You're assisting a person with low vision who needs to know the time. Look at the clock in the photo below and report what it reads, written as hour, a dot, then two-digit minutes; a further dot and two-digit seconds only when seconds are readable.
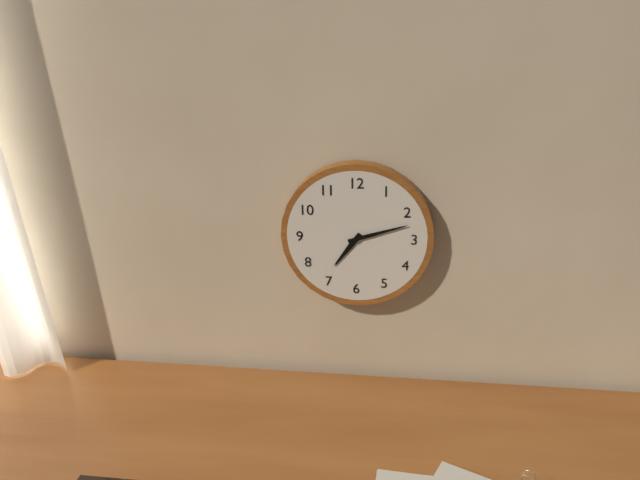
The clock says 7.12
